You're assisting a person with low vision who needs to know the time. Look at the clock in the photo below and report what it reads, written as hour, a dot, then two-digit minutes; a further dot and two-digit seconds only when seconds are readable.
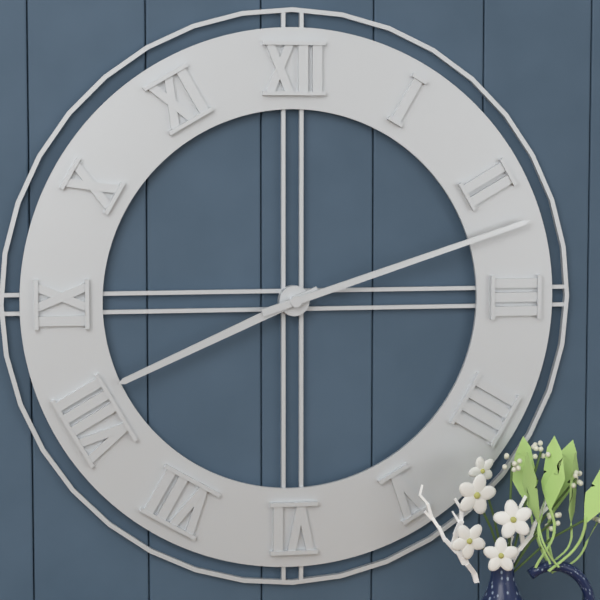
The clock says 8.12
